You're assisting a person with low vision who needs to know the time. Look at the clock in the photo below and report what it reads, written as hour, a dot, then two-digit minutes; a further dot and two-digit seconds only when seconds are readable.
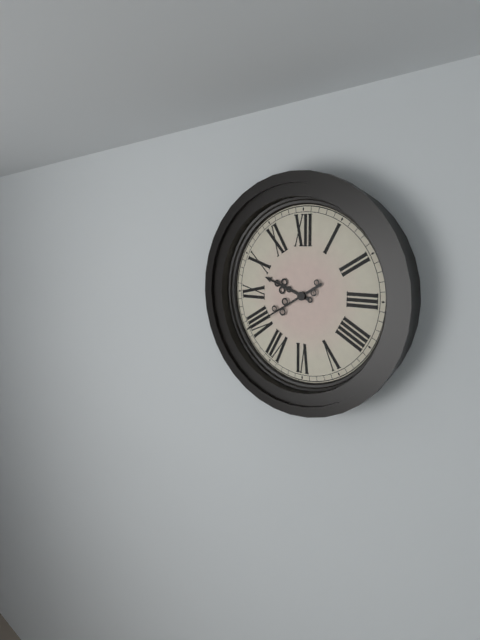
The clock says 9.40
